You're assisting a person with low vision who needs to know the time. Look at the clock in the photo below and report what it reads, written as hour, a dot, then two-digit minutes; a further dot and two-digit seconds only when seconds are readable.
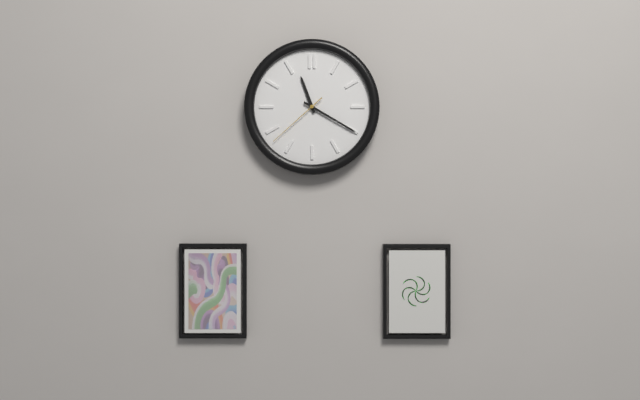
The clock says 11.20.38
